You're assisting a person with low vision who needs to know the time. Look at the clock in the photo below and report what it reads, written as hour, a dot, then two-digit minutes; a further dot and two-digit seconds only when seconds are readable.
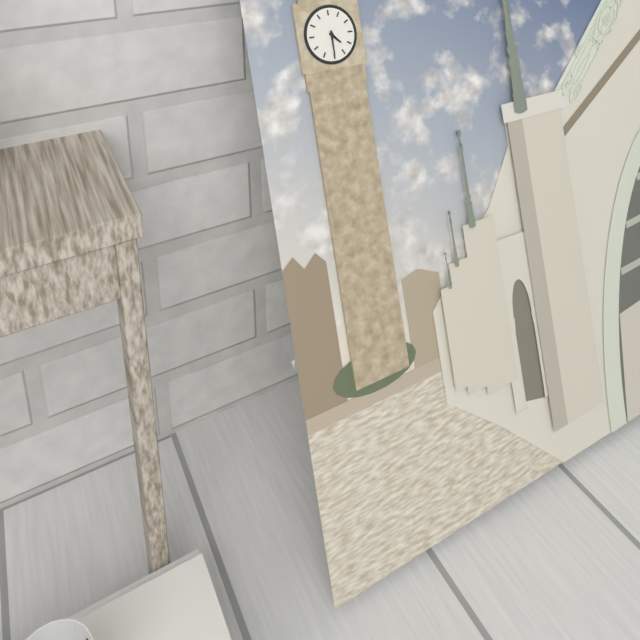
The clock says 4.30
